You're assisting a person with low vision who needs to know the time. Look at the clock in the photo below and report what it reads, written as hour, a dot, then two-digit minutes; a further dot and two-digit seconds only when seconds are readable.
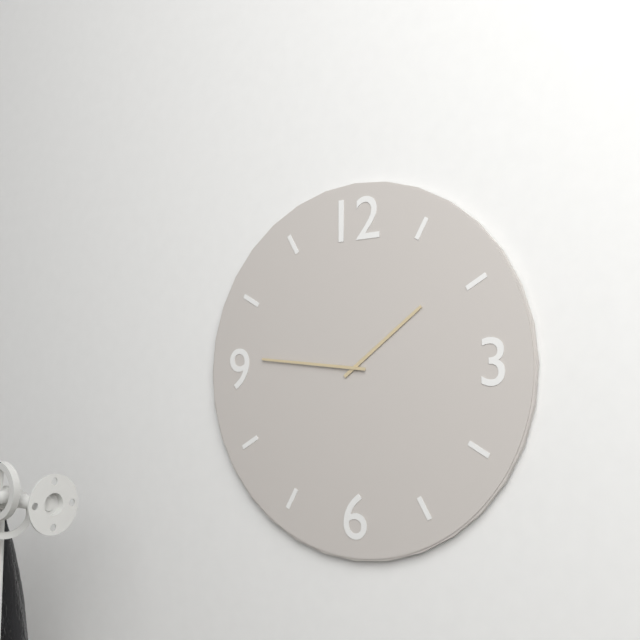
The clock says 1.46
